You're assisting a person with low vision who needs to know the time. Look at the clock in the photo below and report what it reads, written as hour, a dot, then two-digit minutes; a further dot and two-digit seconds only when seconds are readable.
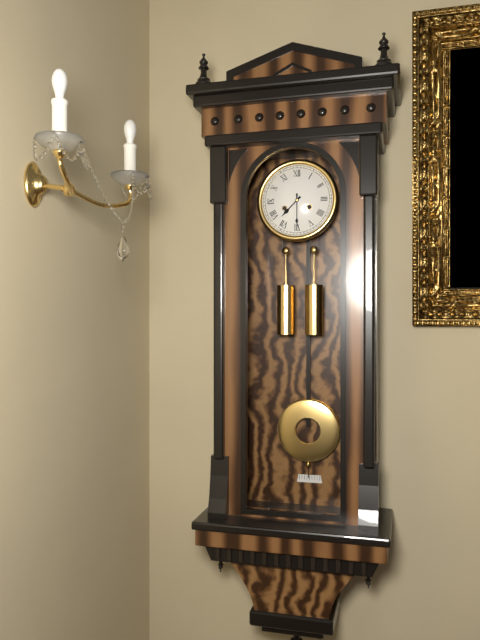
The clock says 7.30
